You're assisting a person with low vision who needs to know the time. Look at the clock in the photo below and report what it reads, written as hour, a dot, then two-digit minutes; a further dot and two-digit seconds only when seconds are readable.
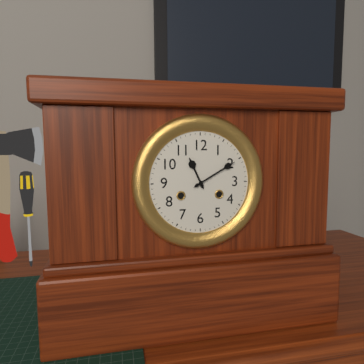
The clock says 11.10
